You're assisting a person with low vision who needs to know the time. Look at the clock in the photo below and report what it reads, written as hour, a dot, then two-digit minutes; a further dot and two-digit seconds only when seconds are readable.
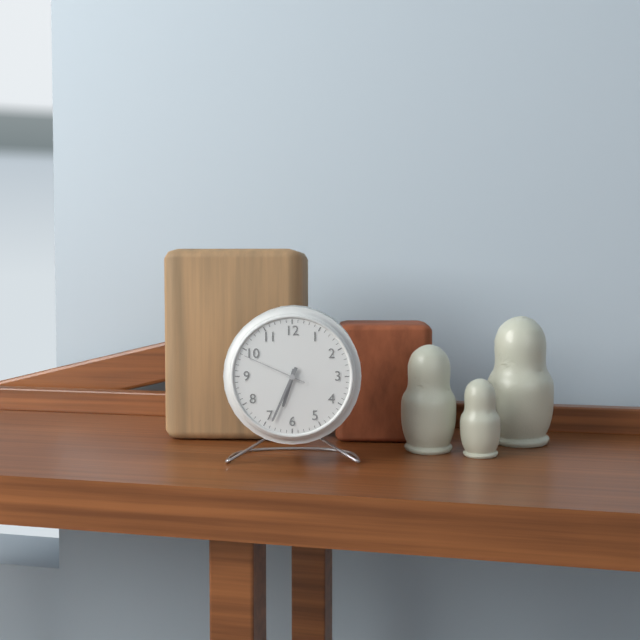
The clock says 6.34.49
